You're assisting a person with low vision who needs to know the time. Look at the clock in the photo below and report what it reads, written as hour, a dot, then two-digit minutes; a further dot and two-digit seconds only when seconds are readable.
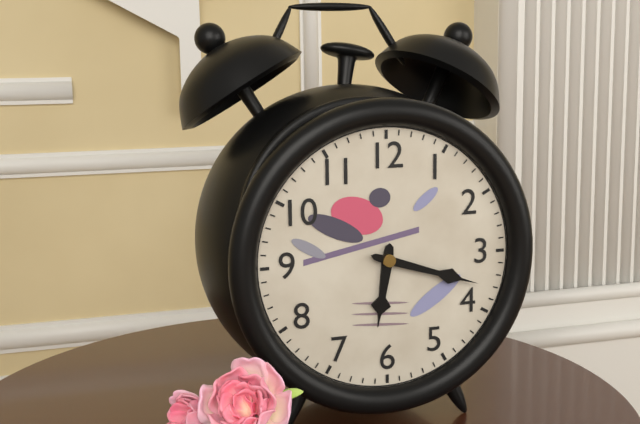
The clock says 6.18
